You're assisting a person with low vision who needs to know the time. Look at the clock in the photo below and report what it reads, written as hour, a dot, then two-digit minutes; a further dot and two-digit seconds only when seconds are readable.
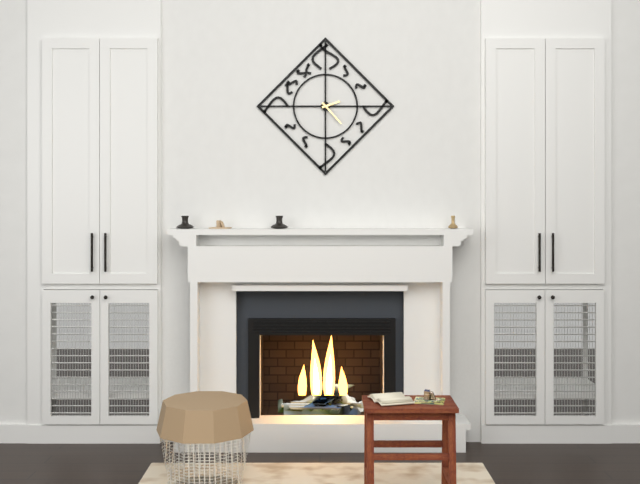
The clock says 2.23
